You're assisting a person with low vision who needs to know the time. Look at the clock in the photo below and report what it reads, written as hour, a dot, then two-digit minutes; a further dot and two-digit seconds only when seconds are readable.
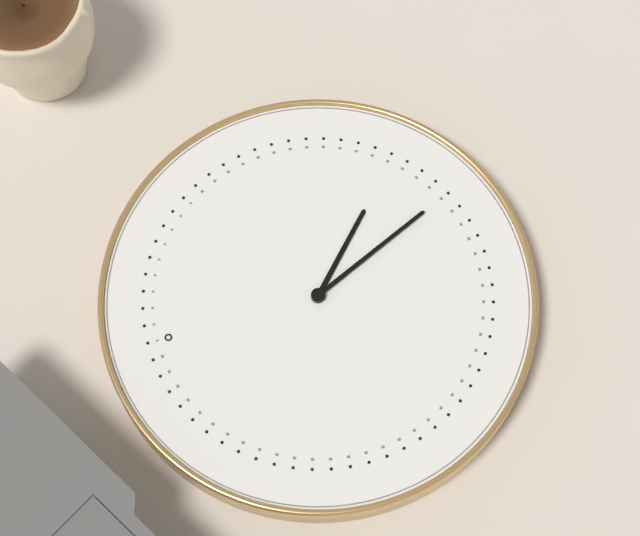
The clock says 4.26
